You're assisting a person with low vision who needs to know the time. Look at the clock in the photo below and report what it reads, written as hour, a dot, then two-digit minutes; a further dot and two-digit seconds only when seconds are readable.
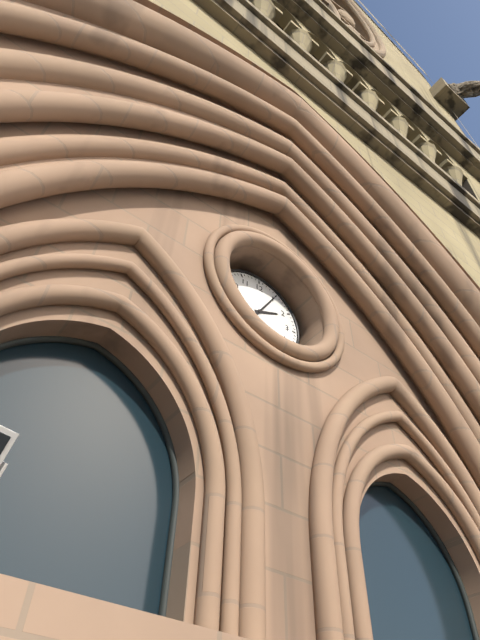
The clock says 2.05
